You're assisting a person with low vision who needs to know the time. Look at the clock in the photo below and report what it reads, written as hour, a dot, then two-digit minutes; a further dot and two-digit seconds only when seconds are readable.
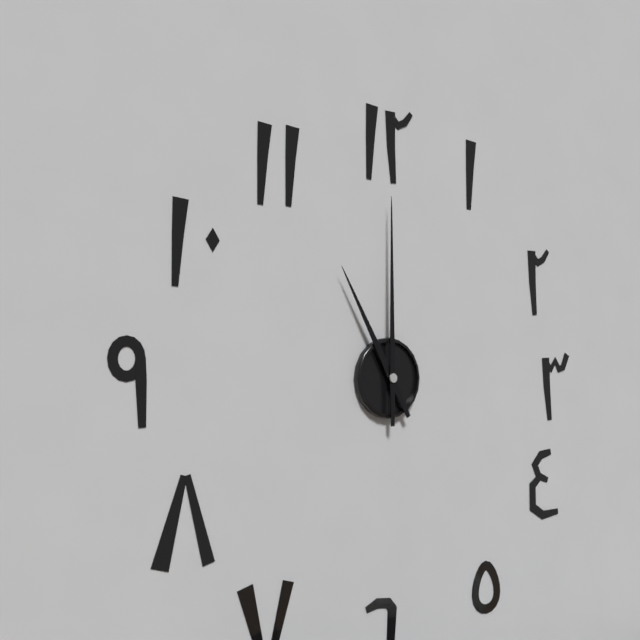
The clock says 11.00
